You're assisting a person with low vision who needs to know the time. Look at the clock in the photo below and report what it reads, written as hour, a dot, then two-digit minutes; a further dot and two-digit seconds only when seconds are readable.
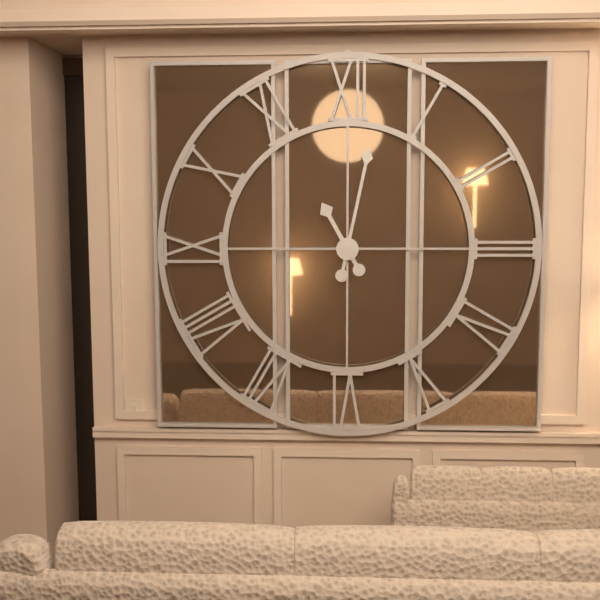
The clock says 11.02
